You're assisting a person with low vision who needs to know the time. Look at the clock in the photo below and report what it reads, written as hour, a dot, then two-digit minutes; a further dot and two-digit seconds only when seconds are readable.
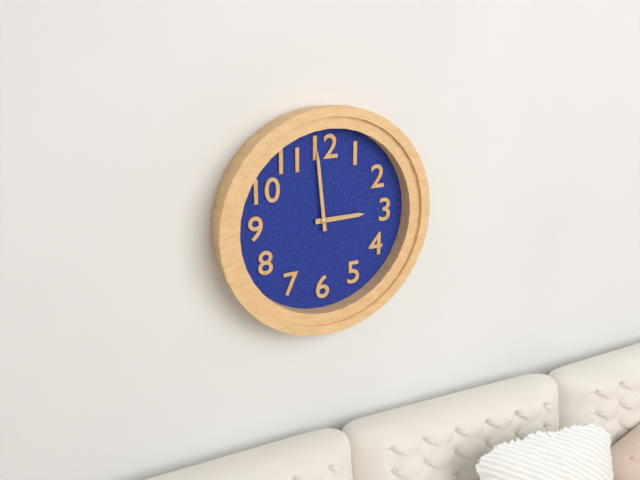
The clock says 2.59
